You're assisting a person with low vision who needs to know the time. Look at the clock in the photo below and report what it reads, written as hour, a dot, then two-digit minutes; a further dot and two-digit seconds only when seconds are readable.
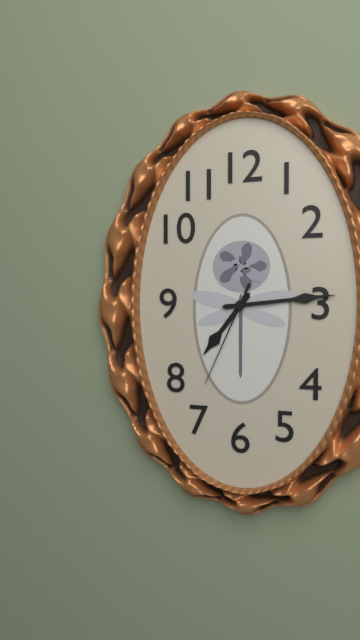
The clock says 7.14.34
